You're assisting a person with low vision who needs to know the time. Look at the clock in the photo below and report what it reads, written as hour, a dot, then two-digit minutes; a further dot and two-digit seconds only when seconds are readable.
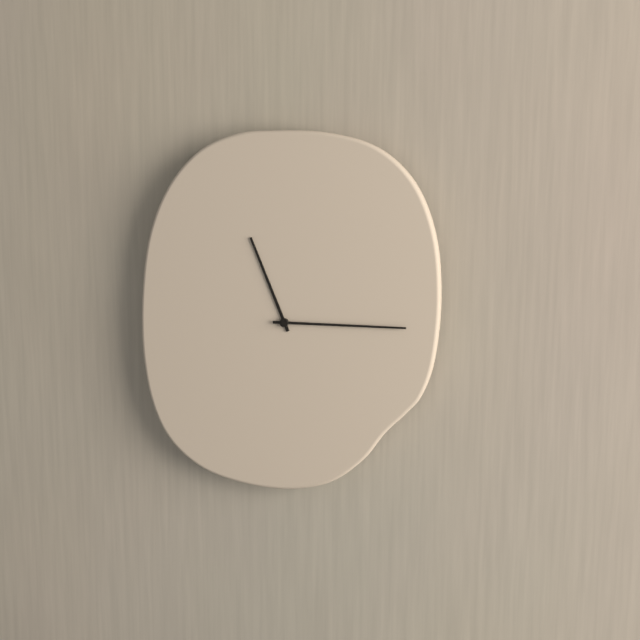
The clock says 11.15
